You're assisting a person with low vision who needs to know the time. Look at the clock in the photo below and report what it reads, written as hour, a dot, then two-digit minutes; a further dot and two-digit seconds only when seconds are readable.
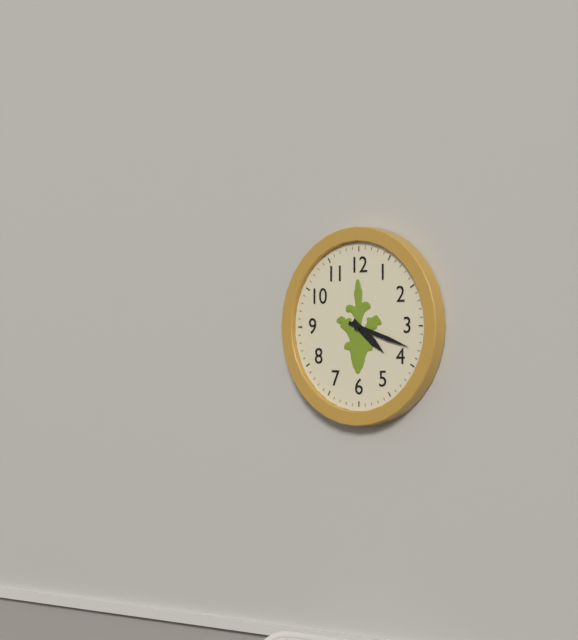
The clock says 4.18
